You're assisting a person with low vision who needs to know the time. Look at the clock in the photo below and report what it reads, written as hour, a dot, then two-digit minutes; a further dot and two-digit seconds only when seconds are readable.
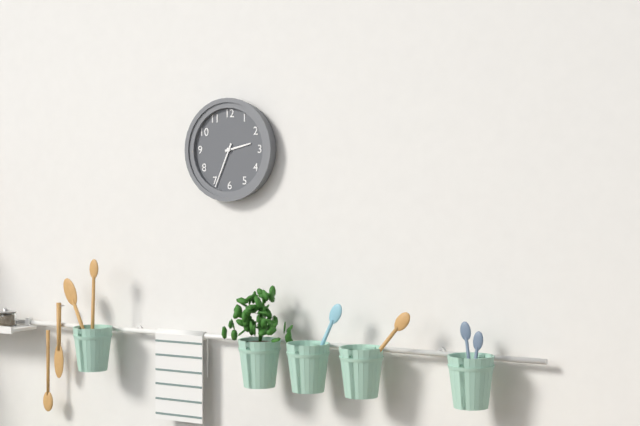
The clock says 2.34
